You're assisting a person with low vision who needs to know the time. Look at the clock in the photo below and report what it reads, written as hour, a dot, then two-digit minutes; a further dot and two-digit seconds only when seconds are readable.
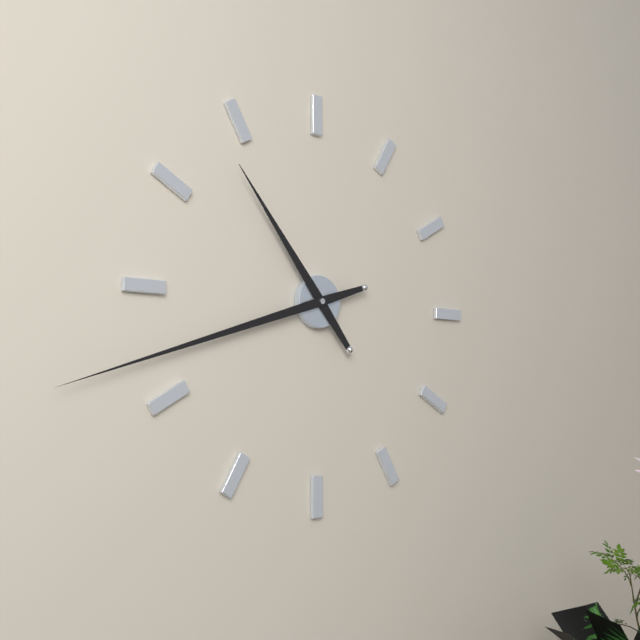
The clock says 10.42
